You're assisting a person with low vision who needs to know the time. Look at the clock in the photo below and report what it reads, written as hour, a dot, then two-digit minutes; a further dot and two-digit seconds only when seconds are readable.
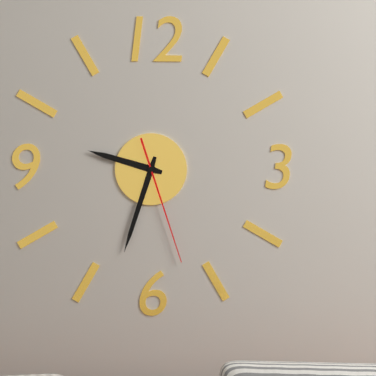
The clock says 9.33.27
